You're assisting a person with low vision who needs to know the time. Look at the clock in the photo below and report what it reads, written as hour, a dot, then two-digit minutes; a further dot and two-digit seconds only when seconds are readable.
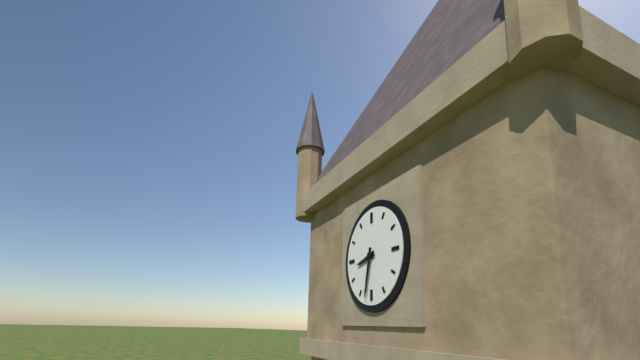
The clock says 8.32
